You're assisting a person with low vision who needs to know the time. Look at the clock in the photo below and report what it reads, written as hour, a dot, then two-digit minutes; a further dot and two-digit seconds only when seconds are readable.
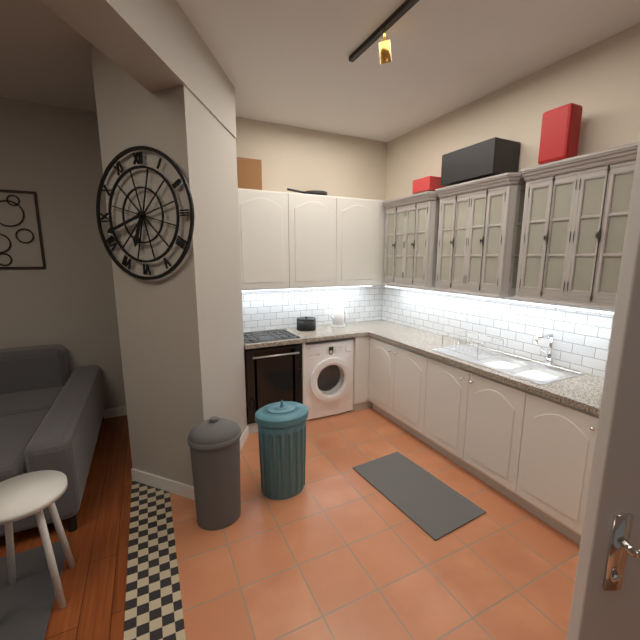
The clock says 6.42
